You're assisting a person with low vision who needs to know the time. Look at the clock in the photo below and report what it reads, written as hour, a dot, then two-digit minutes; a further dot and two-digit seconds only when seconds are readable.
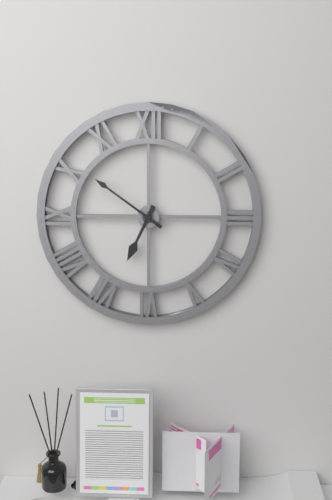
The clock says 6.51
